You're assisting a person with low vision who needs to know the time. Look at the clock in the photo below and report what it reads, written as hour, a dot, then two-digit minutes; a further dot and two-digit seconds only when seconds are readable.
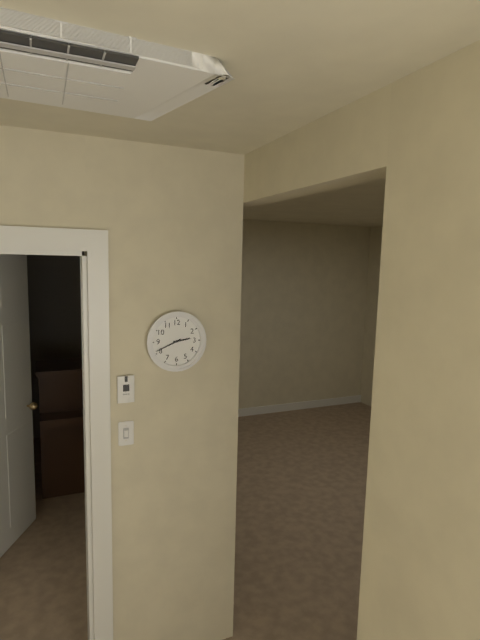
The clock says 2.41
